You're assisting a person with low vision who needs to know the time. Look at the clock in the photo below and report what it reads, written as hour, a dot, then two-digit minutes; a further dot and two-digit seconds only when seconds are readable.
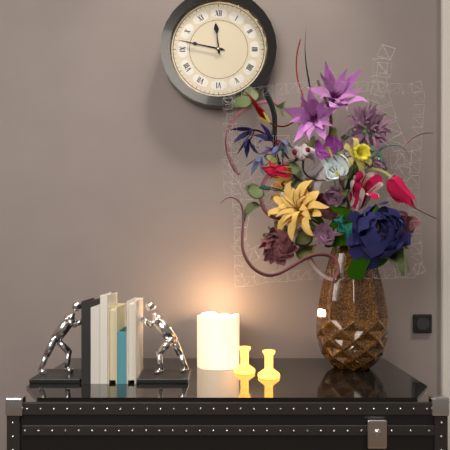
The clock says 11.47
